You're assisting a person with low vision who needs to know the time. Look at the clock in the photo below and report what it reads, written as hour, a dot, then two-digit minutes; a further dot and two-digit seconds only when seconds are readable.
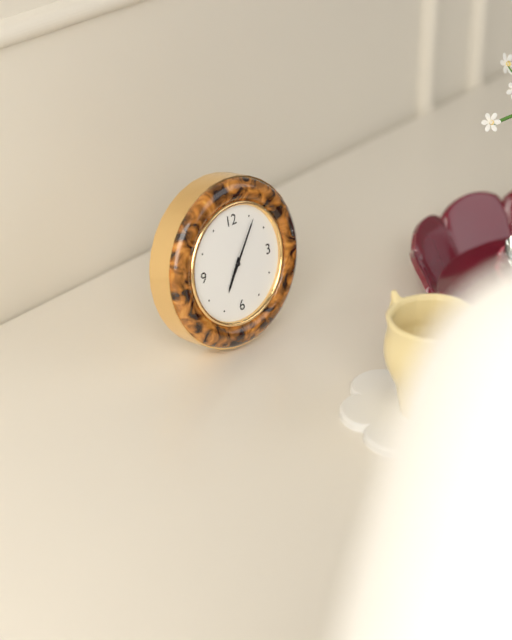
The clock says 7.06
